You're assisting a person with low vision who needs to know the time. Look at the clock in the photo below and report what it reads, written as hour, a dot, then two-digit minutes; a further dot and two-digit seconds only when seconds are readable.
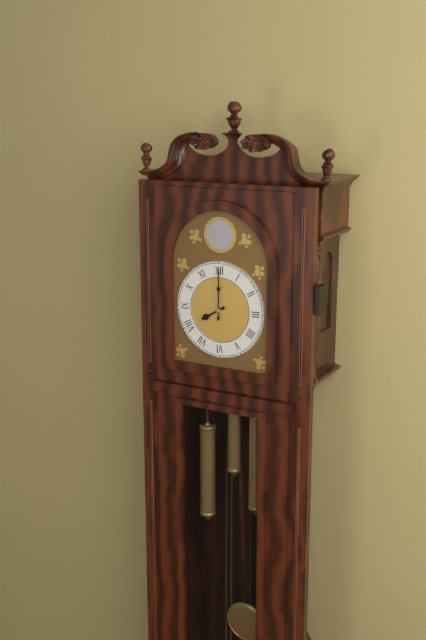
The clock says 8.00
